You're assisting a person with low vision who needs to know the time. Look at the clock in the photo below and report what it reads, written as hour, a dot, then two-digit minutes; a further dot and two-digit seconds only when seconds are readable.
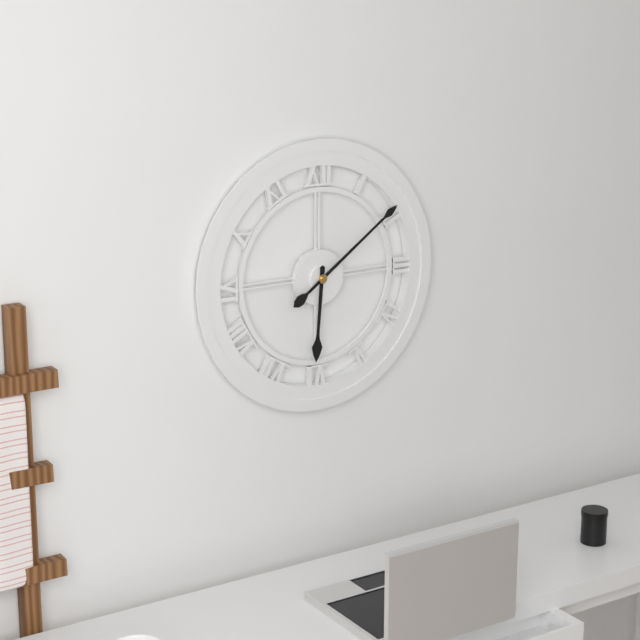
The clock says 6.09
